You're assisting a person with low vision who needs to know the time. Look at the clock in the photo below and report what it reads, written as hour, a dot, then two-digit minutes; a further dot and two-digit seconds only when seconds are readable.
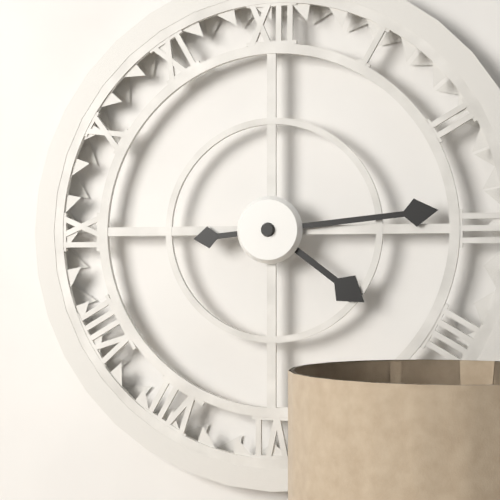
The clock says 4.14
